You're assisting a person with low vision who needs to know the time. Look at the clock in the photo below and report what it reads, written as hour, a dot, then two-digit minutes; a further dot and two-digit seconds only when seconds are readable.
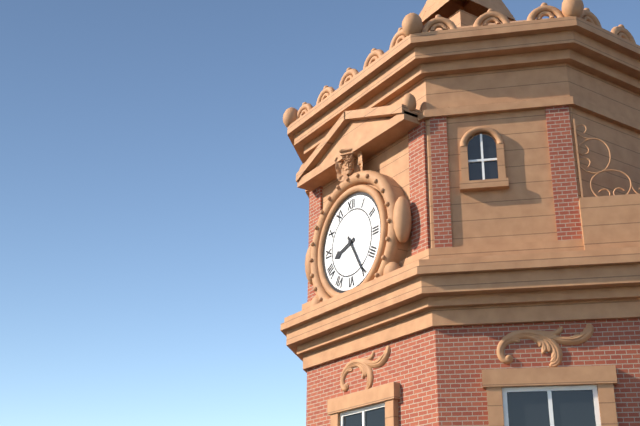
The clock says 8.25
